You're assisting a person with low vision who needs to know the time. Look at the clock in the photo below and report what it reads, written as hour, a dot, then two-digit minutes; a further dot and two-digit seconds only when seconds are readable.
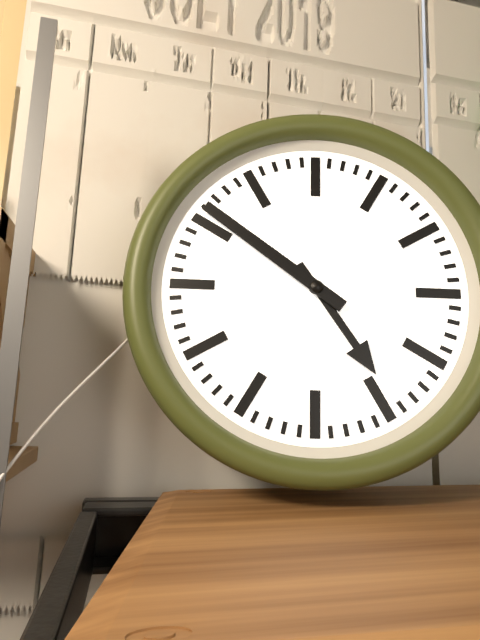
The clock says 4.51
